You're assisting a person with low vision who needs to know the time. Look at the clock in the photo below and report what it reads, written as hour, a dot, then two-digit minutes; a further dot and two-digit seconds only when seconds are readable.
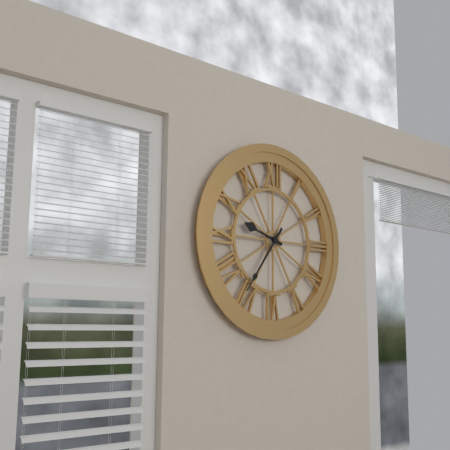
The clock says 9.36
